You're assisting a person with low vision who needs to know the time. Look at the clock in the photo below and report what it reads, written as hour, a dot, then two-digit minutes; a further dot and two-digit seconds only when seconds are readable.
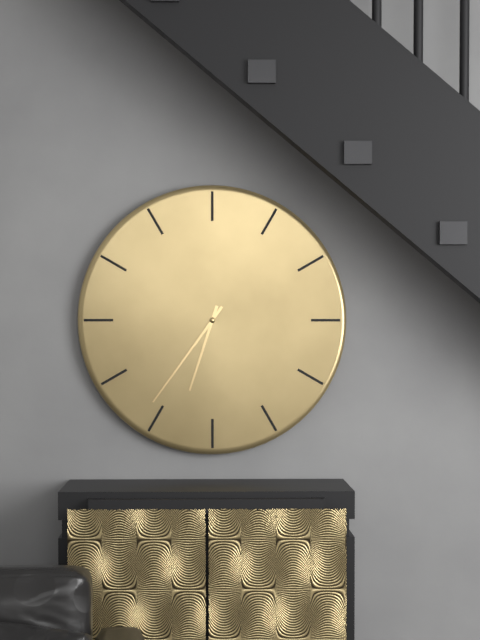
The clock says 6.36
